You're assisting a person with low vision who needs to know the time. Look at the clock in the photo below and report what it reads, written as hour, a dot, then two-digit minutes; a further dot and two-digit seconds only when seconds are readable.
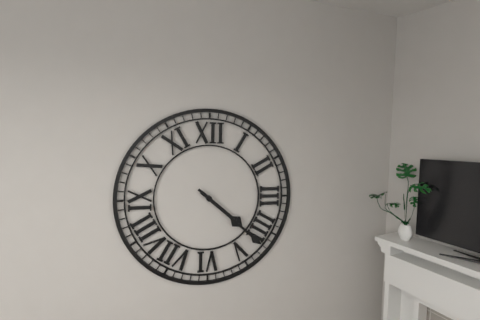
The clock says 4.22
